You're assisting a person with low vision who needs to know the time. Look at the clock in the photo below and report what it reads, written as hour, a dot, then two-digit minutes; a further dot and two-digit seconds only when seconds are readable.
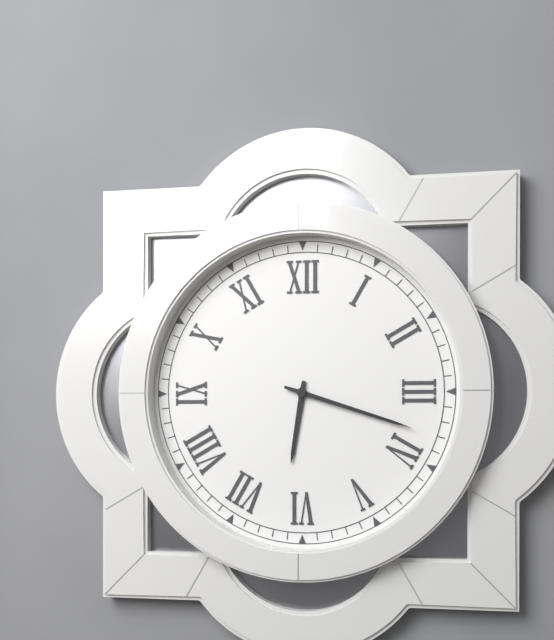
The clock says 6.18
